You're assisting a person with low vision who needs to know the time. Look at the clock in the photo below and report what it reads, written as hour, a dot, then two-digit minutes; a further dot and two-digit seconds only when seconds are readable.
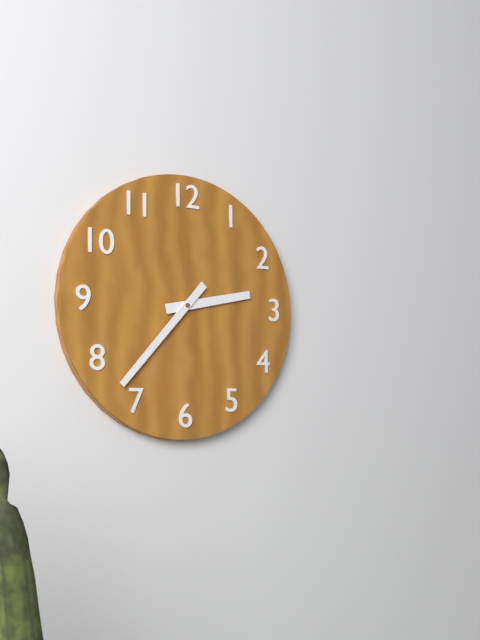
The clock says 2.37
